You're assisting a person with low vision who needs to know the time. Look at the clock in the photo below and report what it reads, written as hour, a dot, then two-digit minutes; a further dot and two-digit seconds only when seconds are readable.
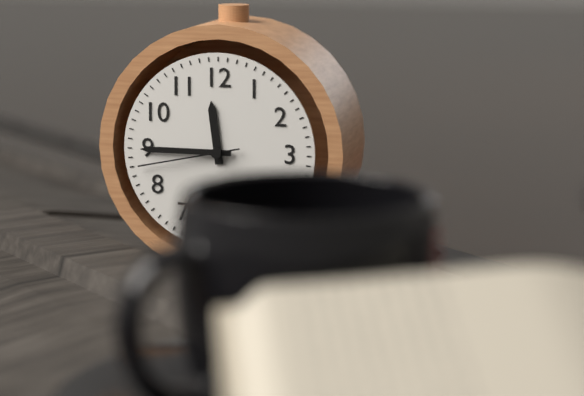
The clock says 11.45.43
